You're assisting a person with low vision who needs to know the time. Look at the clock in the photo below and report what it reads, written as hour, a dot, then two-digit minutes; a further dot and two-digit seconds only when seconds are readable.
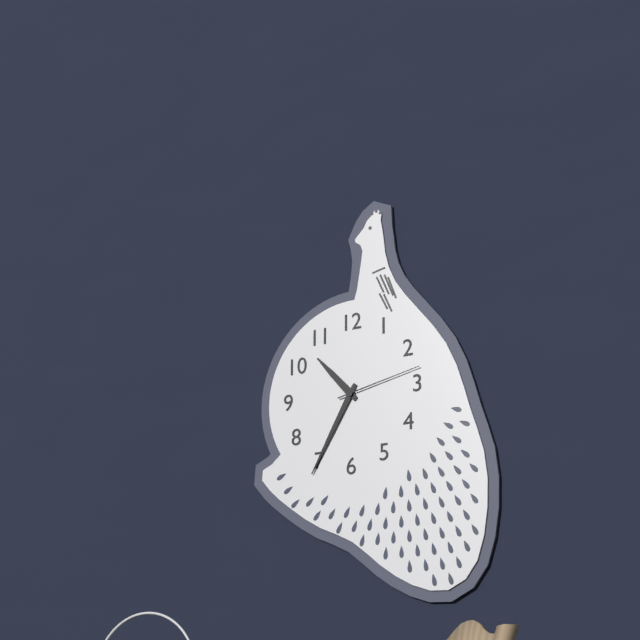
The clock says 10.35.13
